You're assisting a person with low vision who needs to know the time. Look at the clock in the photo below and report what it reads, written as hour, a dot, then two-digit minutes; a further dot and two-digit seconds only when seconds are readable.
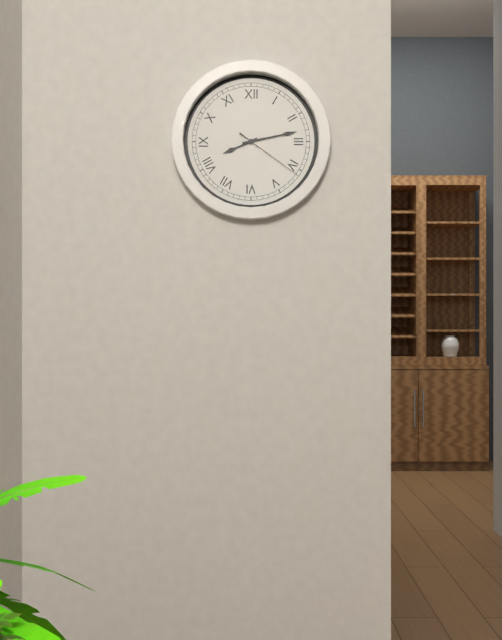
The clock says 8.13.21
